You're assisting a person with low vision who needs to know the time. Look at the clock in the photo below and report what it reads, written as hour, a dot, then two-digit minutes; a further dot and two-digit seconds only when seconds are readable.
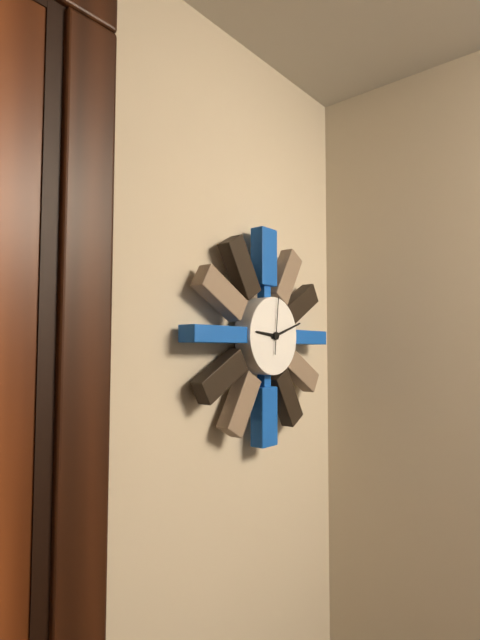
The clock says 9.12
